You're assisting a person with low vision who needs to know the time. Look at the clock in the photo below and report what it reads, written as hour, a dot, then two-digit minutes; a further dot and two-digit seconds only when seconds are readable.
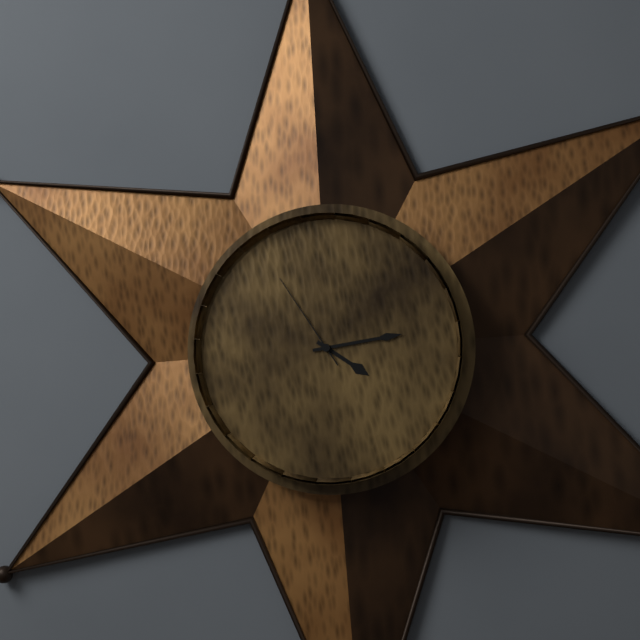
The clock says 4.14.55
